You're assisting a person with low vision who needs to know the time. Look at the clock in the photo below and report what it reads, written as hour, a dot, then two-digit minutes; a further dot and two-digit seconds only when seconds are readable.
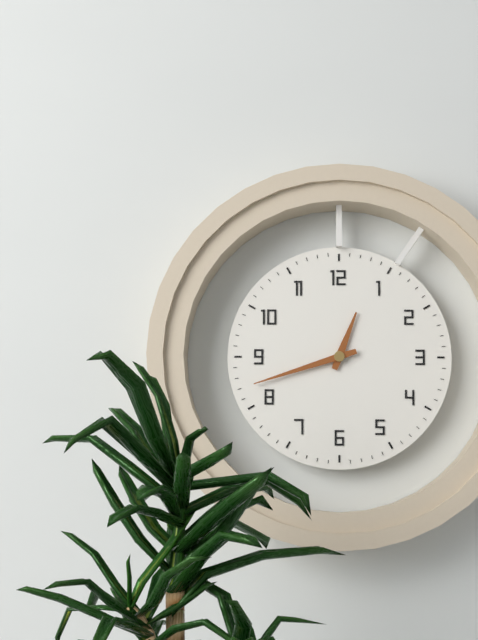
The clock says 12.42
